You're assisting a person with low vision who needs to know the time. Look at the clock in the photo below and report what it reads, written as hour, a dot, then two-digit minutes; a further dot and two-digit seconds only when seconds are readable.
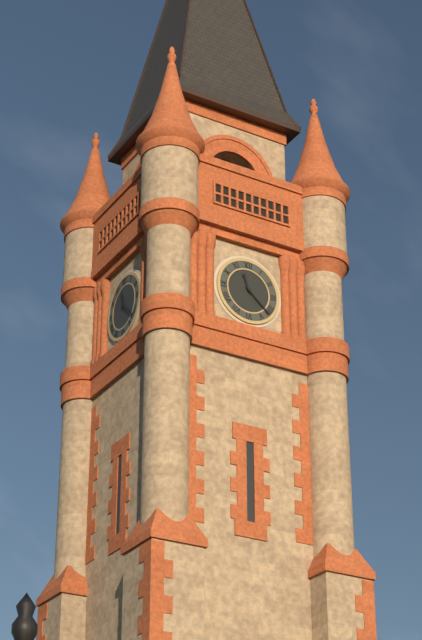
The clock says 11.22
